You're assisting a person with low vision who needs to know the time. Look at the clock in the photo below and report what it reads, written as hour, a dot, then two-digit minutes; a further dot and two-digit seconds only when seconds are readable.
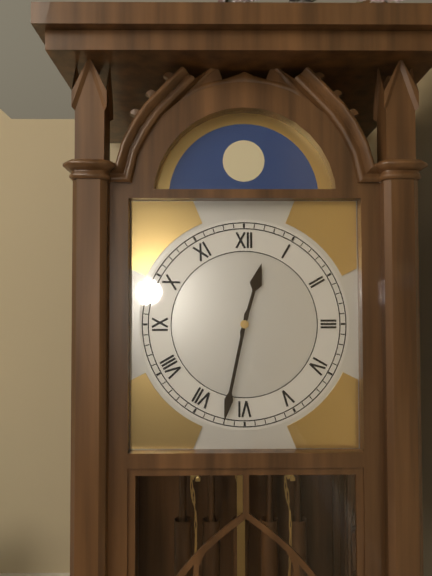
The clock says 12.32
